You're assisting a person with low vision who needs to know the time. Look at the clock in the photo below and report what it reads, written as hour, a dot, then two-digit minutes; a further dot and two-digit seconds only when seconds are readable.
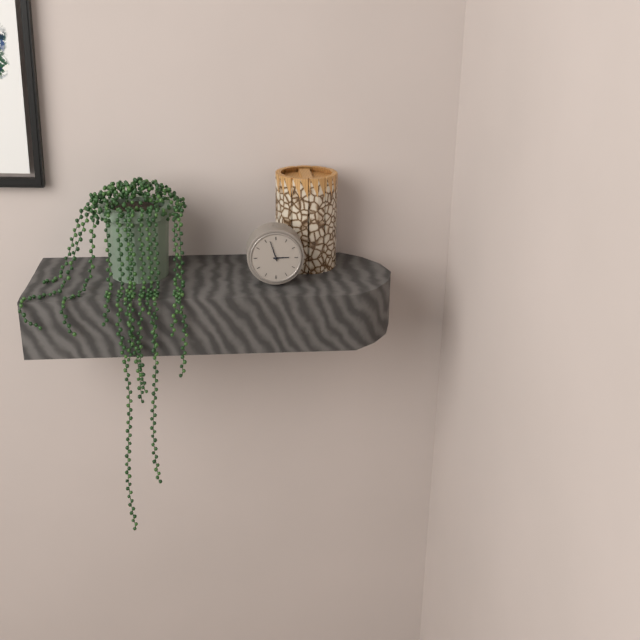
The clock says 2.57
